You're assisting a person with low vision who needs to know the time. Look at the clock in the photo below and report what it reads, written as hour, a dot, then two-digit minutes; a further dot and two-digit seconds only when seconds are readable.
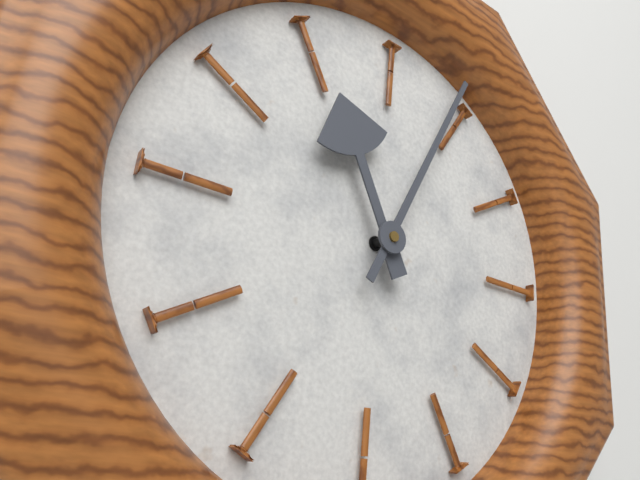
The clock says 11.04
